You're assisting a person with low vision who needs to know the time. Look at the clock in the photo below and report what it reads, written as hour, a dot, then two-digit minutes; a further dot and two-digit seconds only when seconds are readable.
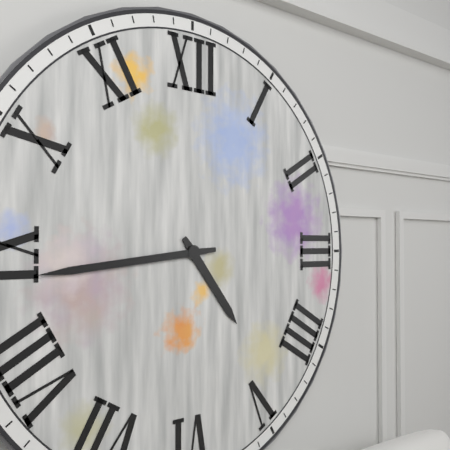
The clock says 4.44
